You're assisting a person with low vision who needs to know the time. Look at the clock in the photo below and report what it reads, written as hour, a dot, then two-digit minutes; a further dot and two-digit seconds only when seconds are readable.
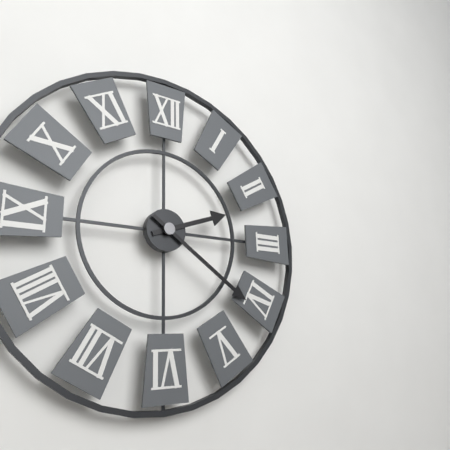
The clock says 2.21
